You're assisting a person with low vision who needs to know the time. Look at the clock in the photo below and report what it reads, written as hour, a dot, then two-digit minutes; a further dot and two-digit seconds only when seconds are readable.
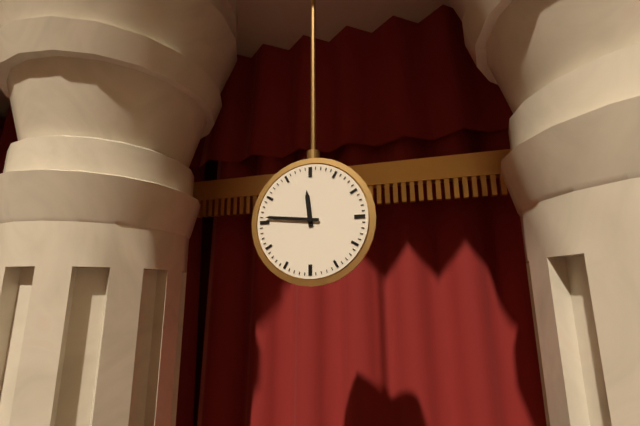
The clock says 11.46
